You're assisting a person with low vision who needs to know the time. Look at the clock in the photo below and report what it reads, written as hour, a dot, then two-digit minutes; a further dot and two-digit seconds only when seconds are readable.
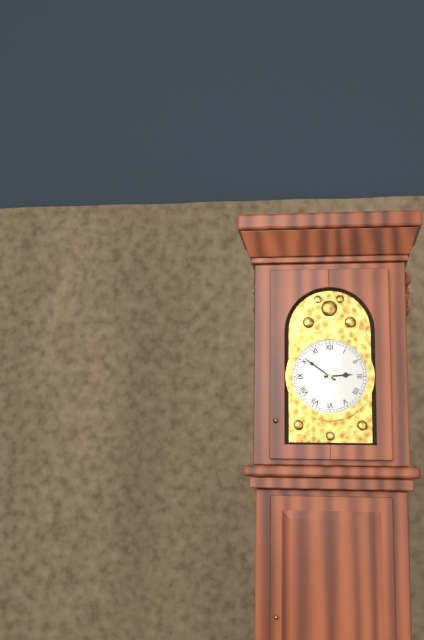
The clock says 2.51
